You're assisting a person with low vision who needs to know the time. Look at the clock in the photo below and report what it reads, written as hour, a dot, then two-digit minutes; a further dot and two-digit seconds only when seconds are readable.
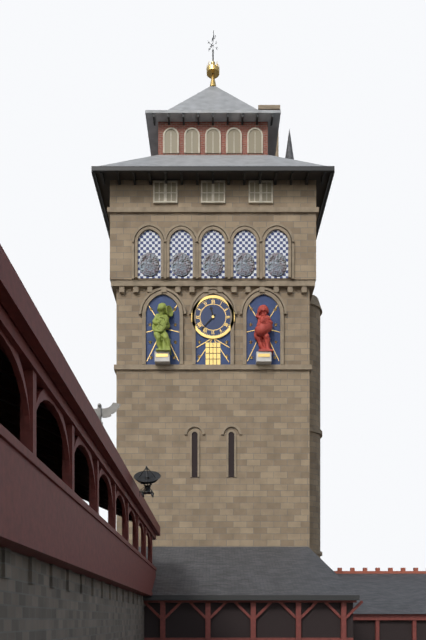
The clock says 11.37
